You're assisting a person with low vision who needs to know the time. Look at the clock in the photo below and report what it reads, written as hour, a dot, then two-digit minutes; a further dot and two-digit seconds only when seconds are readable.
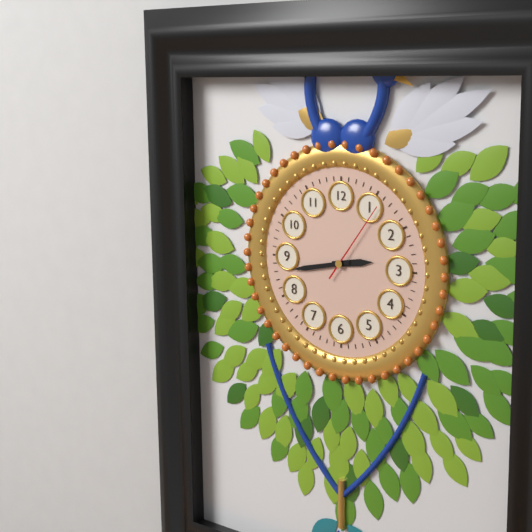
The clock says 2.43.06
